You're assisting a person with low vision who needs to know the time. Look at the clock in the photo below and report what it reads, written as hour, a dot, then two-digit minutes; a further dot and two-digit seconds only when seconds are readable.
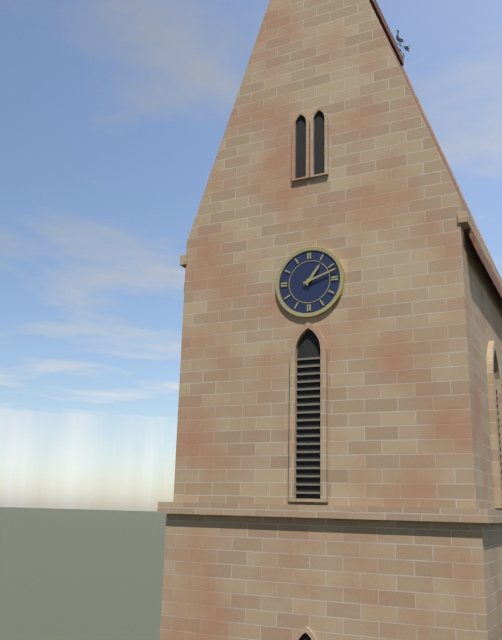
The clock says 1.12
